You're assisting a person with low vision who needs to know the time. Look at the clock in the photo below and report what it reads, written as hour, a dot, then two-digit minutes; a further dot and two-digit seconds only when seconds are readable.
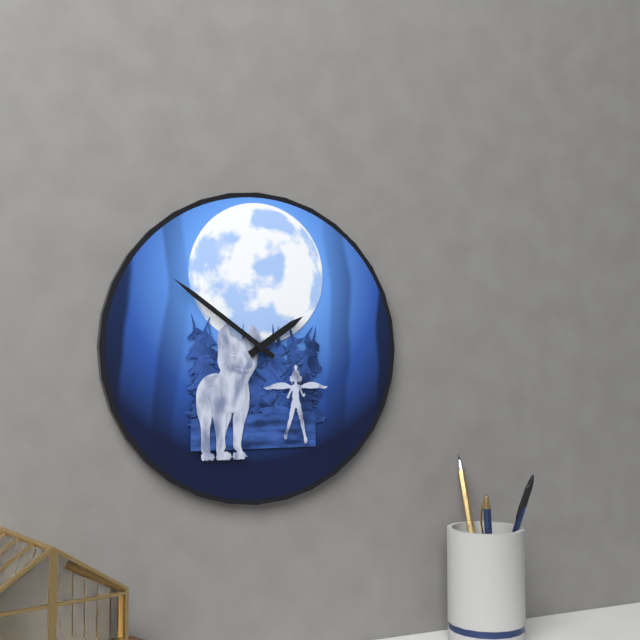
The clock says 1.51
